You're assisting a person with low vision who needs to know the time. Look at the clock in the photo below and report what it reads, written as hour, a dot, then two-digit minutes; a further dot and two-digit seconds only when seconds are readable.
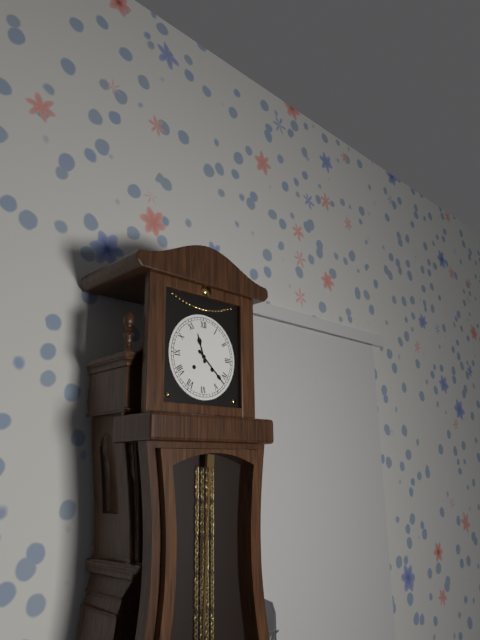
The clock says 11.22
